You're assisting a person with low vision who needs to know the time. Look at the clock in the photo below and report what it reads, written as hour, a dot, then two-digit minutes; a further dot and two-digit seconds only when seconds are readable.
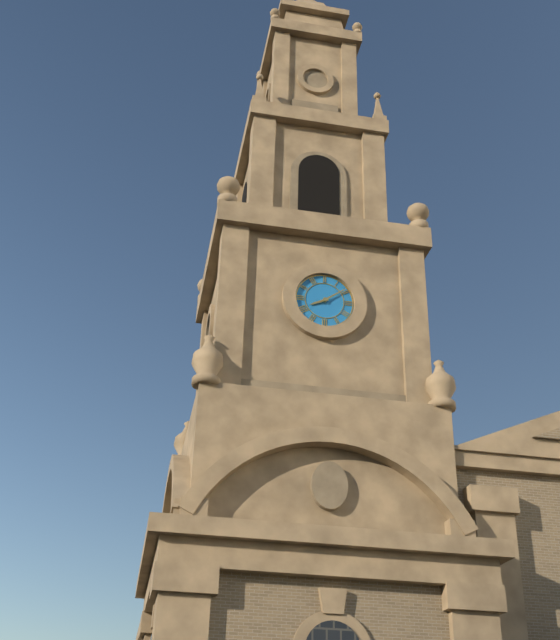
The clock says 8.09
